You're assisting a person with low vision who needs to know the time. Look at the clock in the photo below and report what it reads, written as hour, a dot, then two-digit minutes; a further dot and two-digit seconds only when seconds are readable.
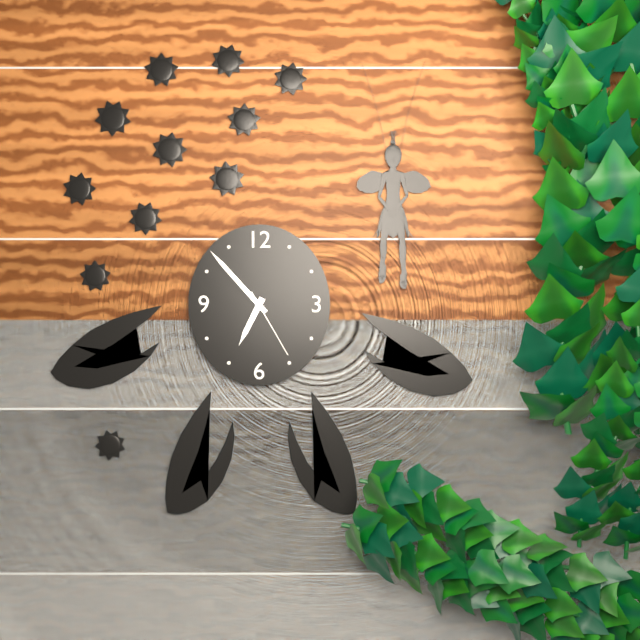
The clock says 6.53.25
